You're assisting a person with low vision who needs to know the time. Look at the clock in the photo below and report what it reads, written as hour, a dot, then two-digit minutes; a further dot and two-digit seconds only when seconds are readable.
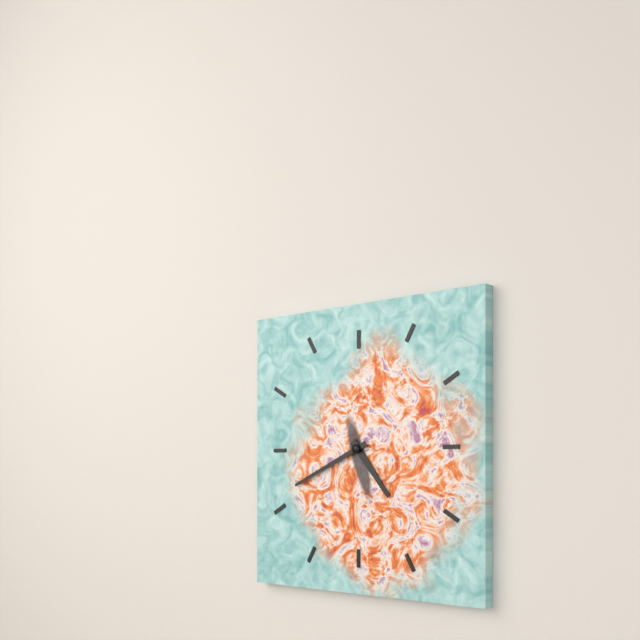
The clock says 4.41
